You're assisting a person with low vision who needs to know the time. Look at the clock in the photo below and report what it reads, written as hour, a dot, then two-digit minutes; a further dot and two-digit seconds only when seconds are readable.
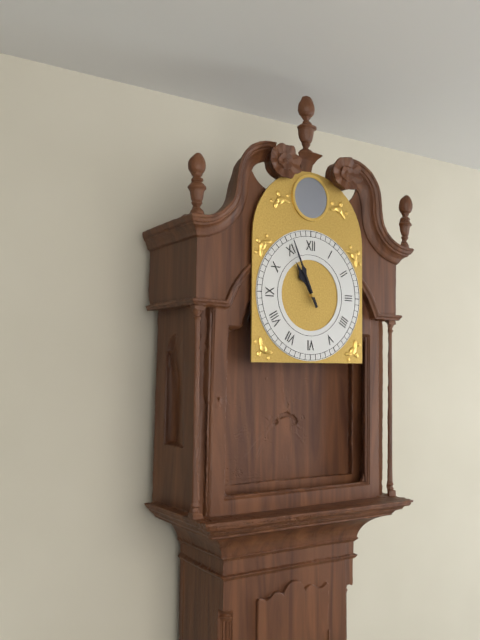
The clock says 10.56
